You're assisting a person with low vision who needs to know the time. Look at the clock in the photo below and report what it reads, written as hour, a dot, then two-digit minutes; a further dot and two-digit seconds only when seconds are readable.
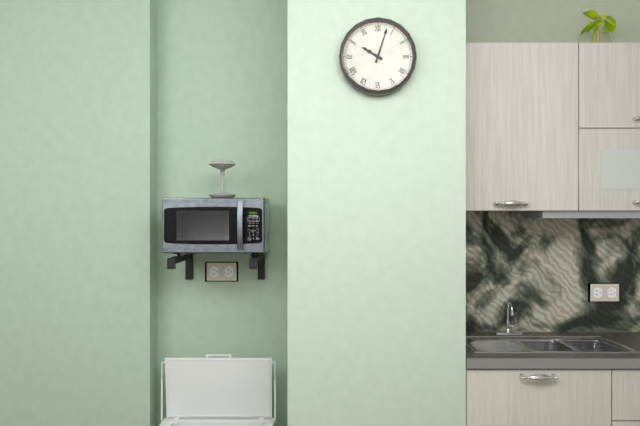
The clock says 10.03
